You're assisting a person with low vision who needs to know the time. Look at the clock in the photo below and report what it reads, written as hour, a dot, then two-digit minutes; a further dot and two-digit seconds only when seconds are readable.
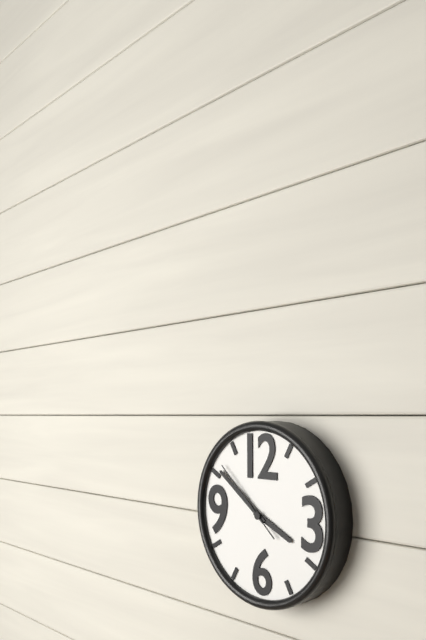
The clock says 3.51.52
